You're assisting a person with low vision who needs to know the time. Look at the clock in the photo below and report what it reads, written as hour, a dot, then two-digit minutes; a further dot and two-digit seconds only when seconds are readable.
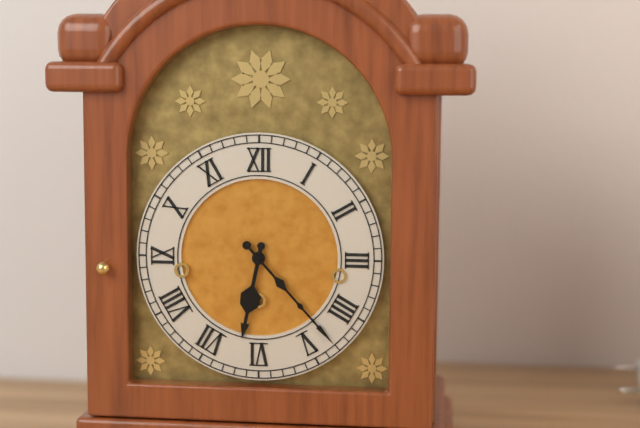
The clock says 6.23
